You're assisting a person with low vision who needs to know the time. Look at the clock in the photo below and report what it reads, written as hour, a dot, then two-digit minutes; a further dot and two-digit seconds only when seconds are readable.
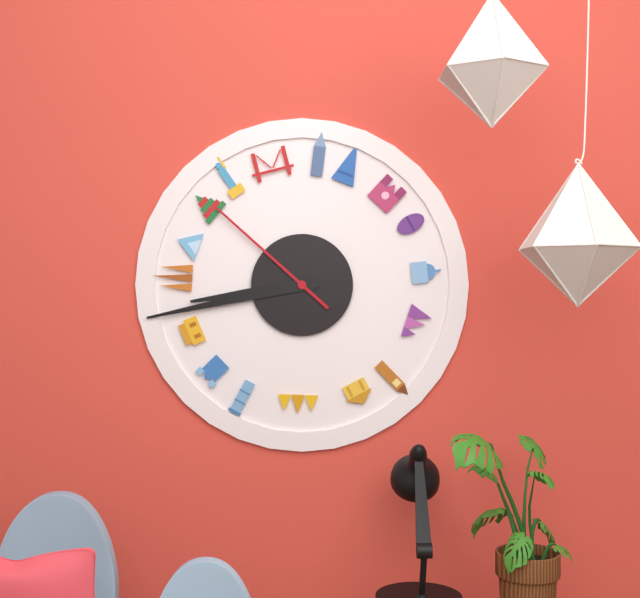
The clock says 8.43.52
